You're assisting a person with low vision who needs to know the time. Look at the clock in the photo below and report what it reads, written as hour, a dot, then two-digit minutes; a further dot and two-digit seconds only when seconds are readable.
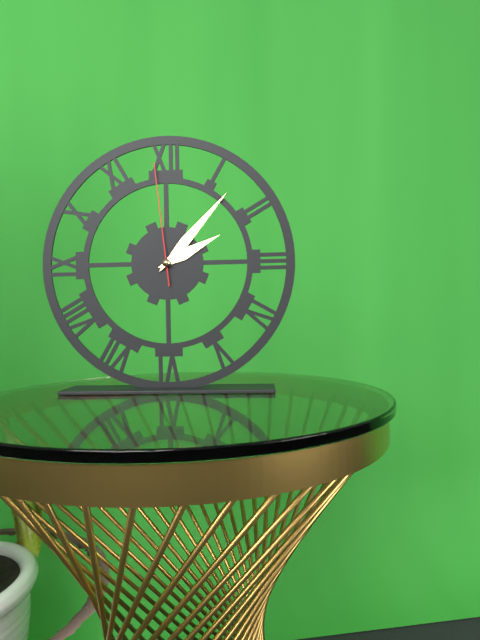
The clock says 2.07.59
